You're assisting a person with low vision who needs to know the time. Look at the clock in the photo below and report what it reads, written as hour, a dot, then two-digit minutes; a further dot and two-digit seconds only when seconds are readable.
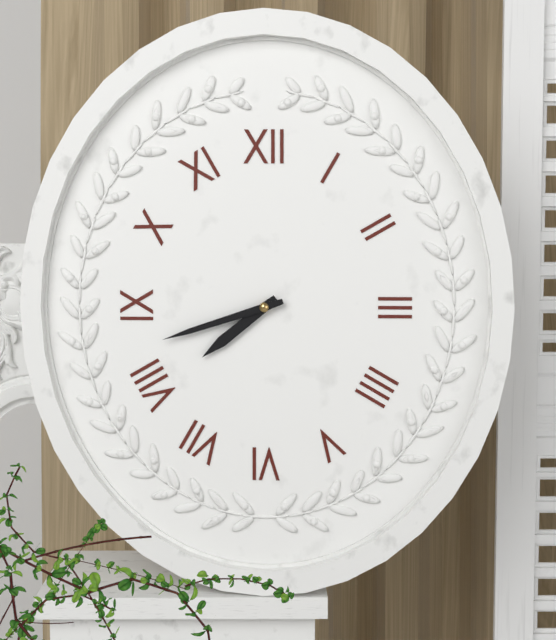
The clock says 7.42
